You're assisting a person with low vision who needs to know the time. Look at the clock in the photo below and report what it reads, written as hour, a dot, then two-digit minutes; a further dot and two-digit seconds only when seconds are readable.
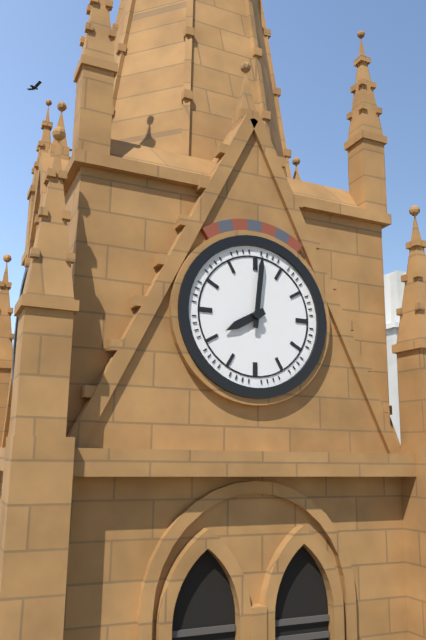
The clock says 8.01
